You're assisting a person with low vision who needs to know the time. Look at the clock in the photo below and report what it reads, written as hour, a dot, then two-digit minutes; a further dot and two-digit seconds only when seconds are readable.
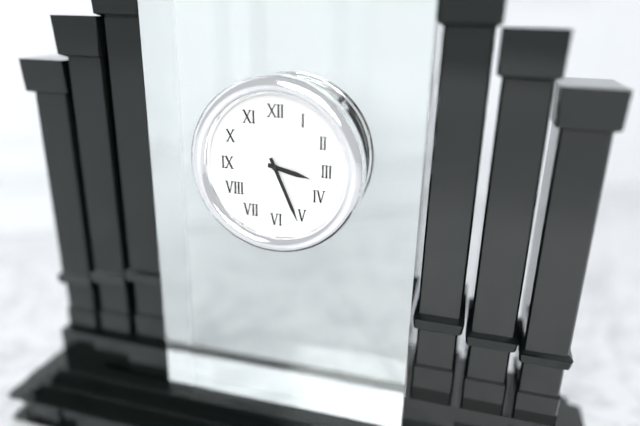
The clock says 3.26
